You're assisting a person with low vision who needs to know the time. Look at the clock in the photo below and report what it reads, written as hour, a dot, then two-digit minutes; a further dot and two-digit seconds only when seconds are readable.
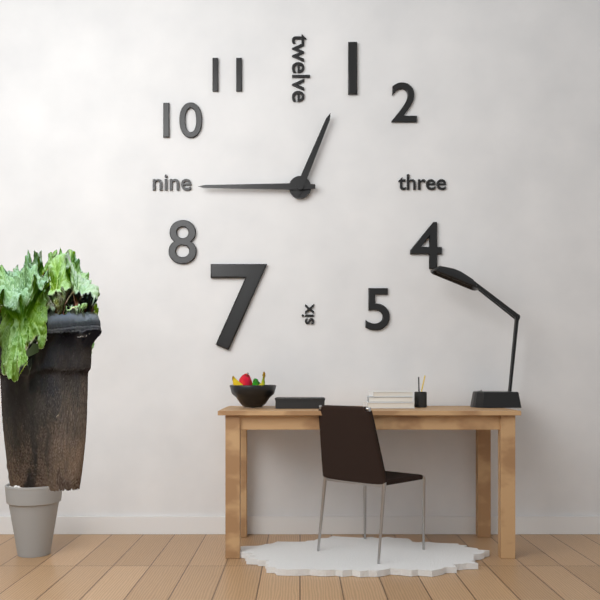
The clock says 12.45
